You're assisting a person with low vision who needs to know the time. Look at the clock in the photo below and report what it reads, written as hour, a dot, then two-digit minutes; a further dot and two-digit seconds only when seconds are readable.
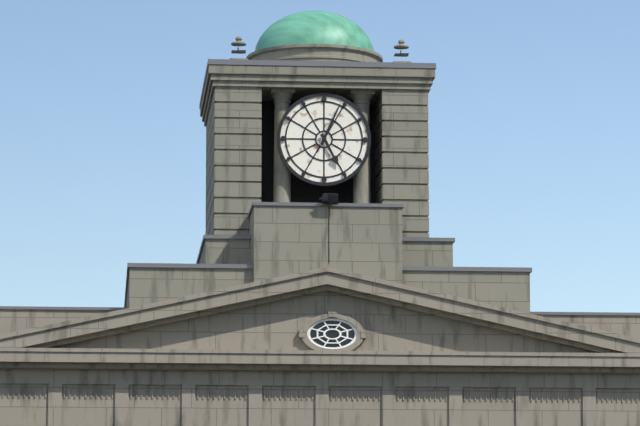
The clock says 5.04
